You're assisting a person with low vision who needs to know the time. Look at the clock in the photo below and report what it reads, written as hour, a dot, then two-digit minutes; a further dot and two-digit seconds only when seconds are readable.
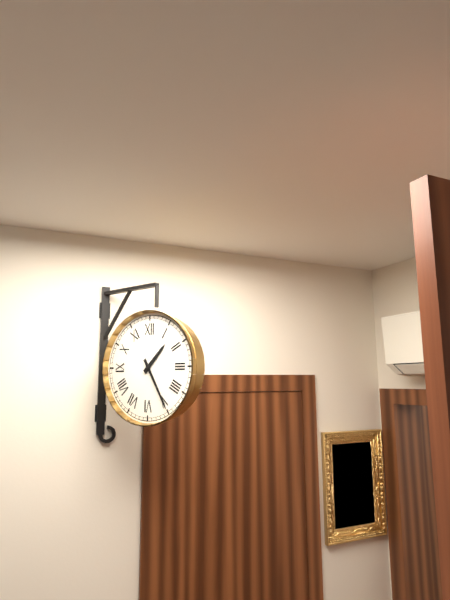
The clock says 1.25
